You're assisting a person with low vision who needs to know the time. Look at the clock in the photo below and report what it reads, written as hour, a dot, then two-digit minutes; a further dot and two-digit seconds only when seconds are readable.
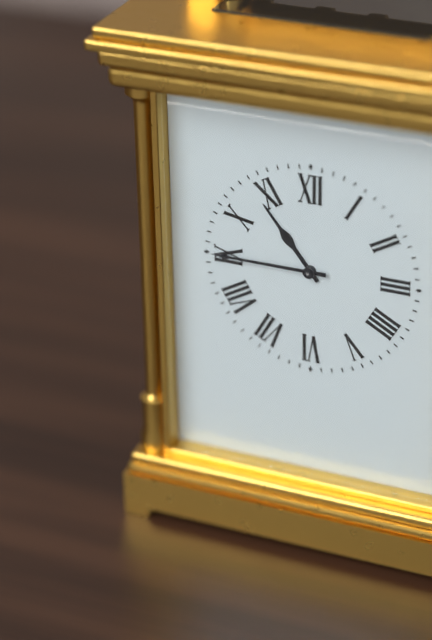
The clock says 10.45
